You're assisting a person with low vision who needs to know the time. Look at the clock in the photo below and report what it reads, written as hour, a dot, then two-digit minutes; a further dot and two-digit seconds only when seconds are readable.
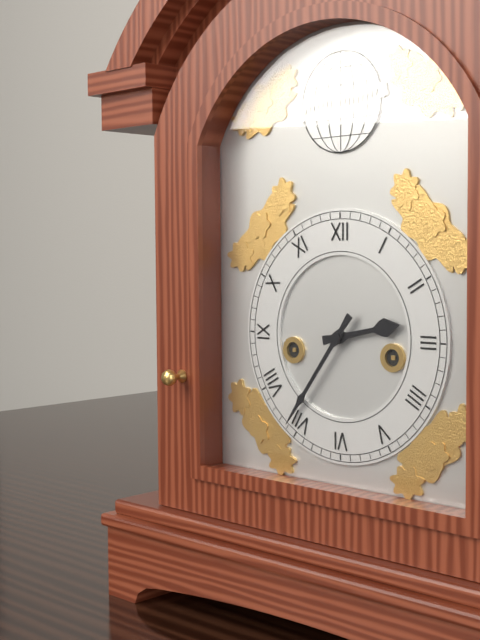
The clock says 2.36
